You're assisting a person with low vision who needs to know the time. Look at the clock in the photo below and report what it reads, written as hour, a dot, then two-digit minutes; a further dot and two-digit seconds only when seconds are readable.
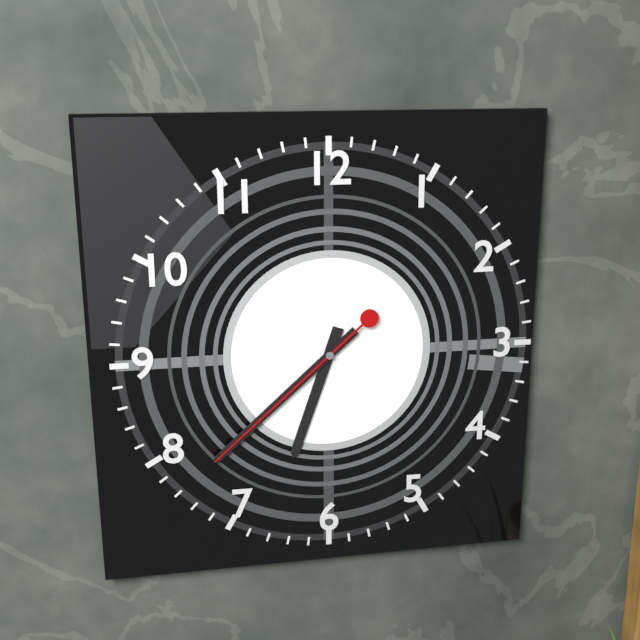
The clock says 6.38.38
